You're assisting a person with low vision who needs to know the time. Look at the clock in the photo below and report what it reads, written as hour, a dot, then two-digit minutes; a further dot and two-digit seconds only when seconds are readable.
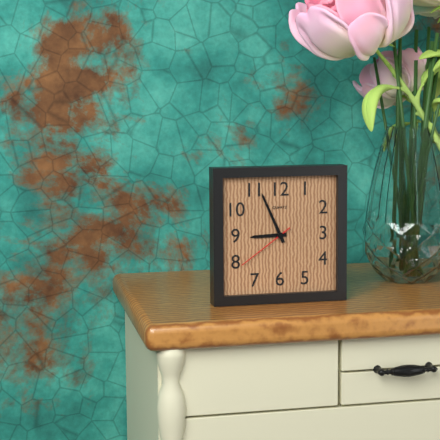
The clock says 8.56.39
